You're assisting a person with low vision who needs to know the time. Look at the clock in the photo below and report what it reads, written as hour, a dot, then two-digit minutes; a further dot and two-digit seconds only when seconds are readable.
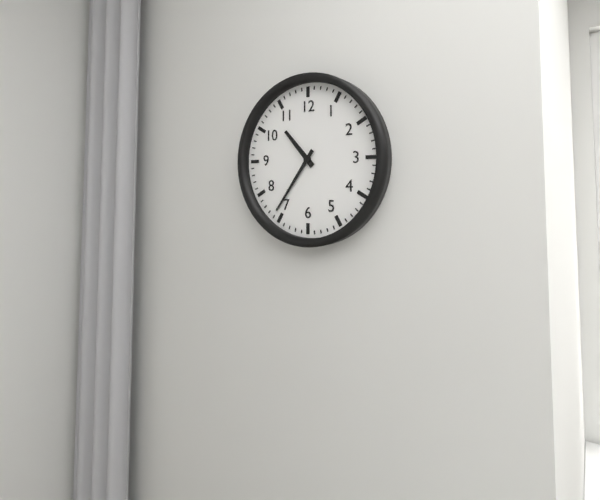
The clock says 10.36
